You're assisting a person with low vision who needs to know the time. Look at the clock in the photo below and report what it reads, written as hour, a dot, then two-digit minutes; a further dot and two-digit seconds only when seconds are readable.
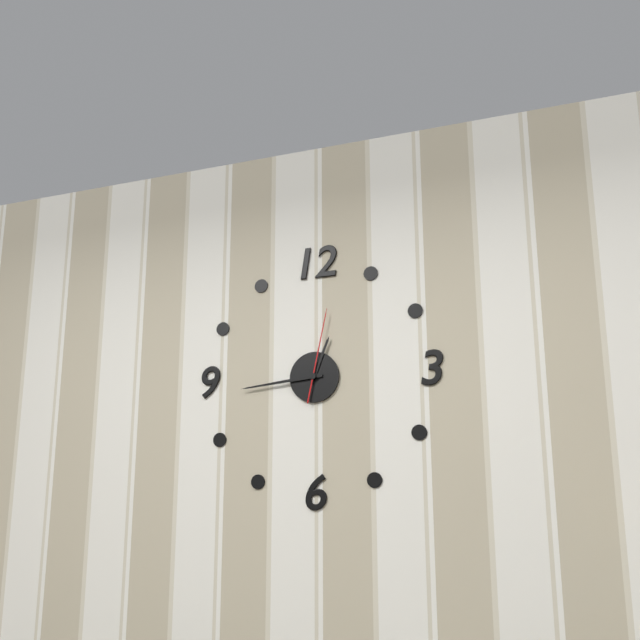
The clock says 12.44.02
